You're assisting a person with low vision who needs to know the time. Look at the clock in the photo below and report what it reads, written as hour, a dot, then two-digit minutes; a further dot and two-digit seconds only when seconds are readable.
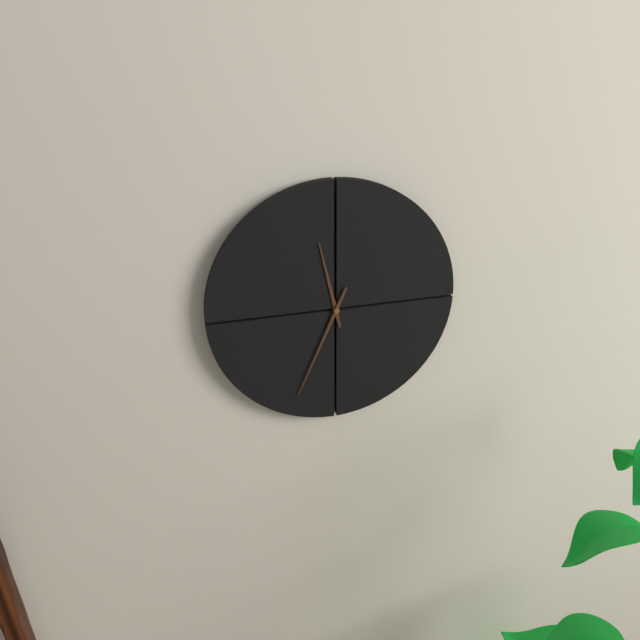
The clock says 11.34
